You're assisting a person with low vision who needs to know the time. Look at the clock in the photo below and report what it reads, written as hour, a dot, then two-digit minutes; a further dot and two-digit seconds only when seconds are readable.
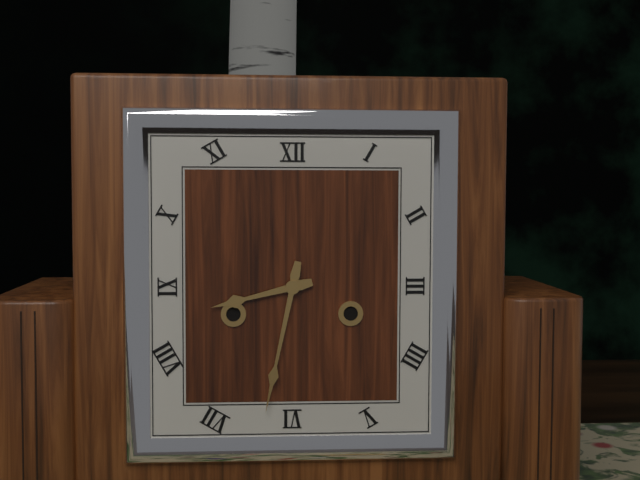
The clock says 8.32
